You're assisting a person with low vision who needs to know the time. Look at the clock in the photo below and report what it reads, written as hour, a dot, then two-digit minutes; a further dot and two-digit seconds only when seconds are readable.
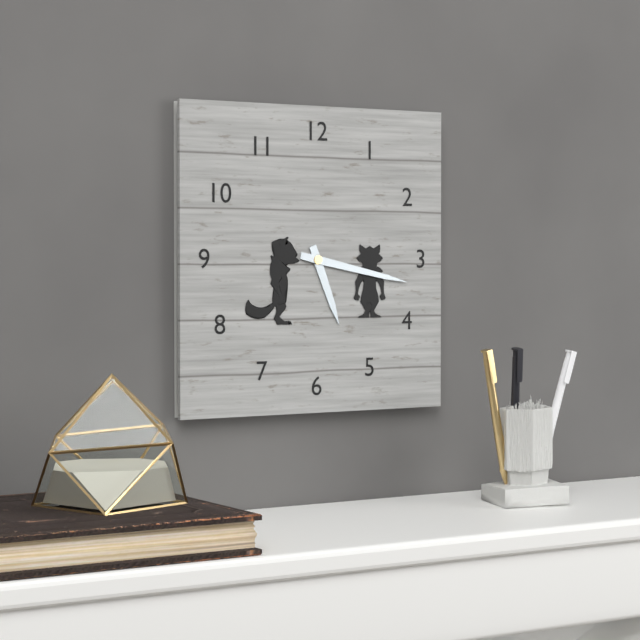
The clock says 5.17
